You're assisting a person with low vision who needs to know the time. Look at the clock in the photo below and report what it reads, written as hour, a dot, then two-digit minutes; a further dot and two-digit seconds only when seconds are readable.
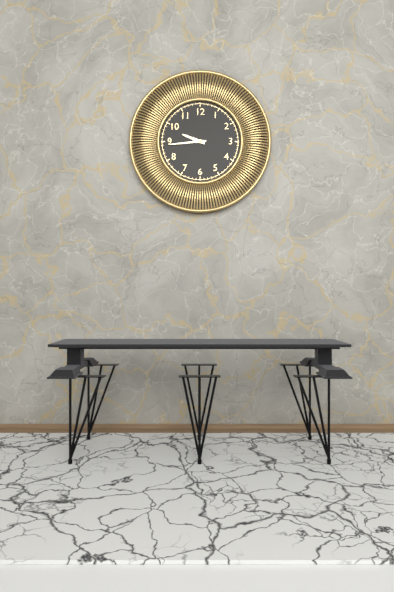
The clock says 9.44
